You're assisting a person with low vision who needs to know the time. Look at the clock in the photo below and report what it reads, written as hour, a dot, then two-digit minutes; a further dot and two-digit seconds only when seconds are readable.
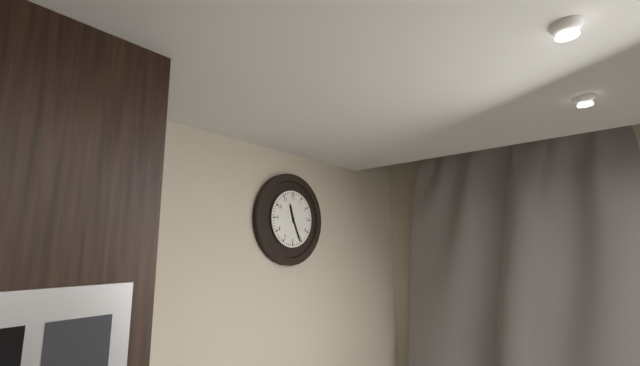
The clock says 11.26
